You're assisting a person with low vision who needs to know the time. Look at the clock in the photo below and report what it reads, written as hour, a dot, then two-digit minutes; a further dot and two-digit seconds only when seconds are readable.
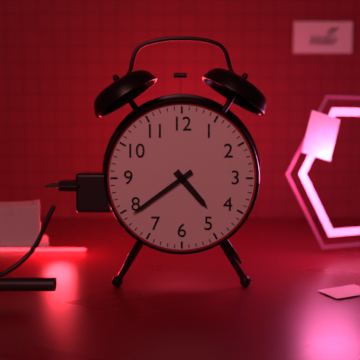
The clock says 4.39
